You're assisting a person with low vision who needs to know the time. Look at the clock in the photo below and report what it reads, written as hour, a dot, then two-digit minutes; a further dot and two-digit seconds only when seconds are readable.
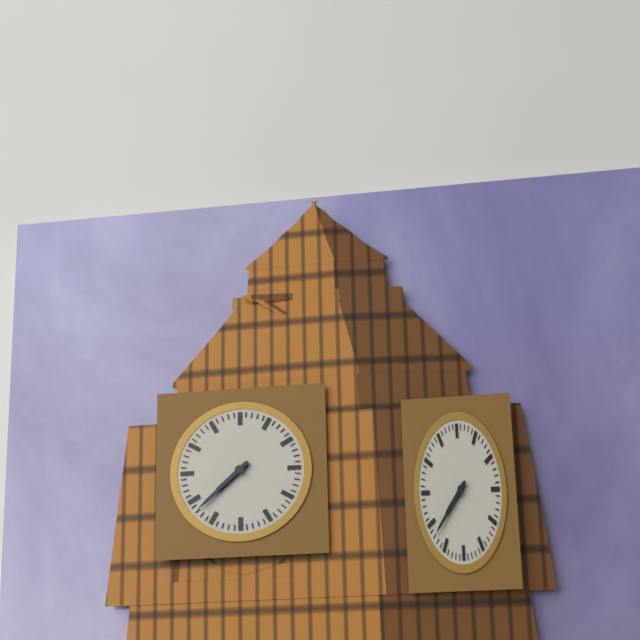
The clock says 7.38
